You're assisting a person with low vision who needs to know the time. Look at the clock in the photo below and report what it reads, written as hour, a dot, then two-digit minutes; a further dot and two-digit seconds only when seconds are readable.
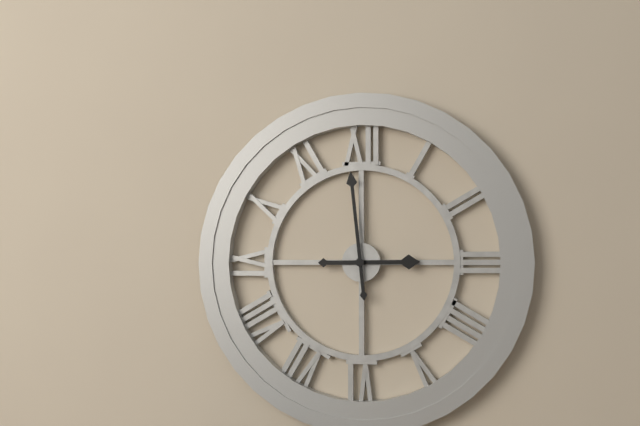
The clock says 2.59
